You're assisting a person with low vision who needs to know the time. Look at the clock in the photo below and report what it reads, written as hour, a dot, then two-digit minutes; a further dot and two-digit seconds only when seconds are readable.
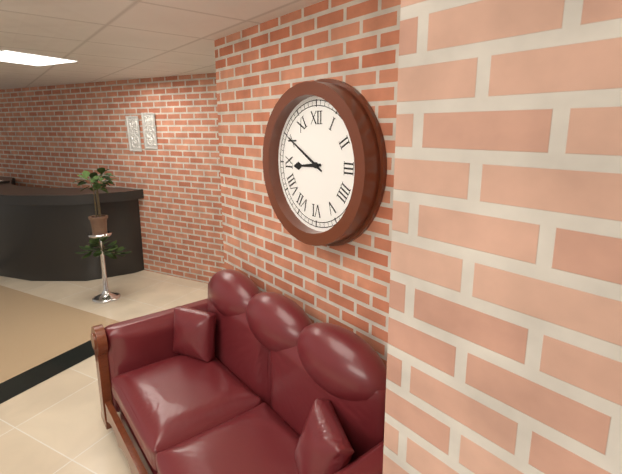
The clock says 8.50
